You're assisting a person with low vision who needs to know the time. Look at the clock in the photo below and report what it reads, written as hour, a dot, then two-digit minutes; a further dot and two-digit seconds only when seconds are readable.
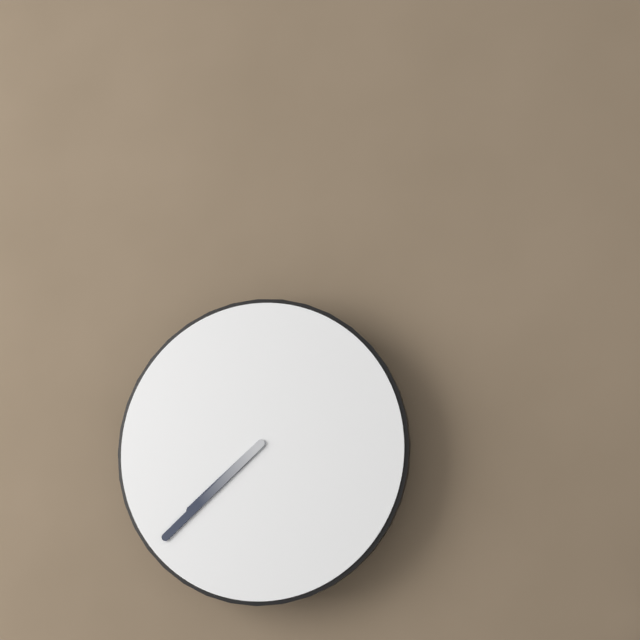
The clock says 7.38
